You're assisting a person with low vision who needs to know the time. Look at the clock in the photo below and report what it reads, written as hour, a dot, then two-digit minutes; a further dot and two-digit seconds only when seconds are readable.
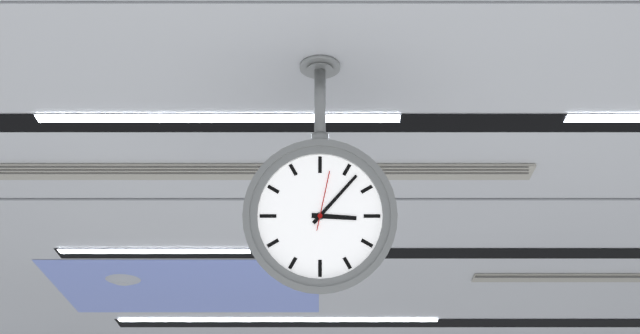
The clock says 3.07.02
